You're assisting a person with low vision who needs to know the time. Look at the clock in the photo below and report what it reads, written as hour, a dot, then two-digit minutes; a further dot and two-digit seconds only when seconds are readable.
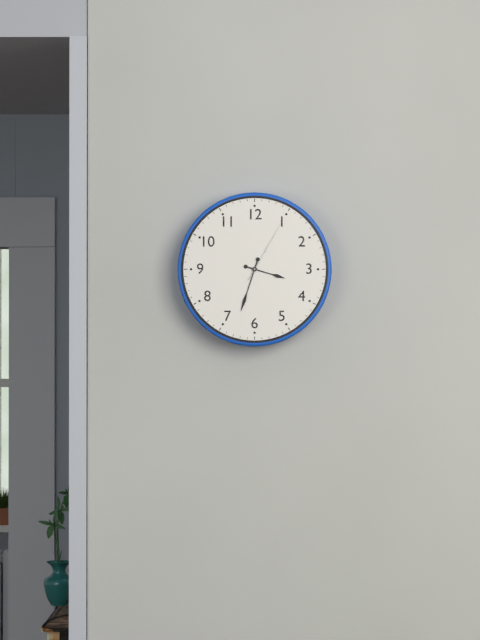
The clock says 3.33.05
